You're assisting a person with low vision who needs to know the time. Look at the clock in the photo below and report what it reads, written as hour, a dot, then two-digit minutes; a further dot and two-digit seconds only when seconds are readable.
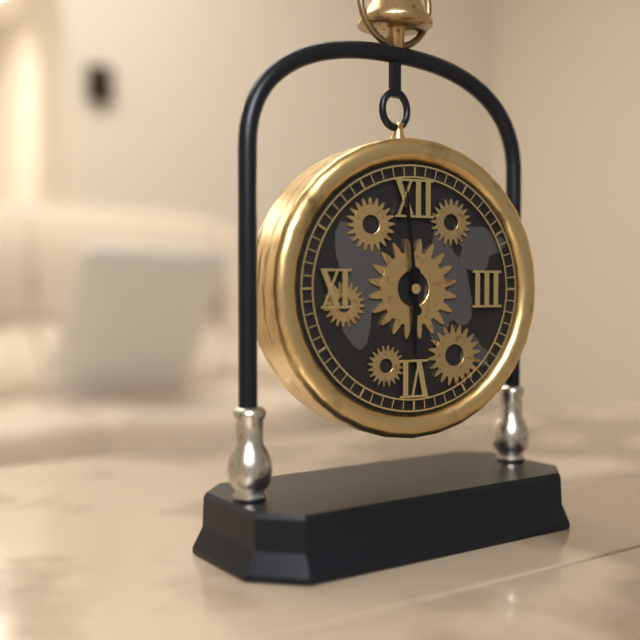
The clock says 5.59
